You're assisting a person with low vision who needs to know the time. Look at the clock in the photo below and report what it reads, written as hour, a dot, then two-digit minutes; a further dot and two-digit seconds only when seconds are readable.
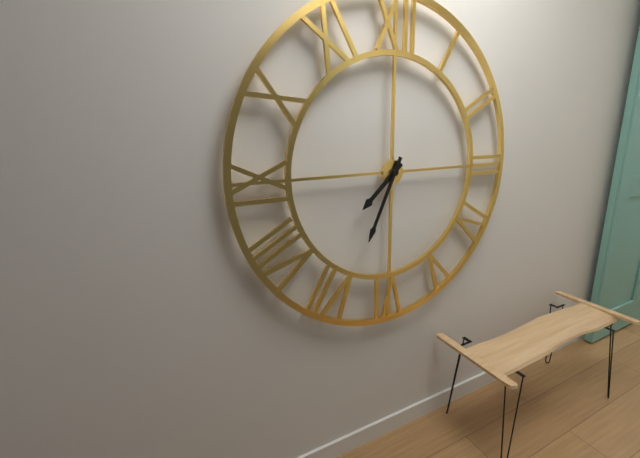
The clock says 7.34
